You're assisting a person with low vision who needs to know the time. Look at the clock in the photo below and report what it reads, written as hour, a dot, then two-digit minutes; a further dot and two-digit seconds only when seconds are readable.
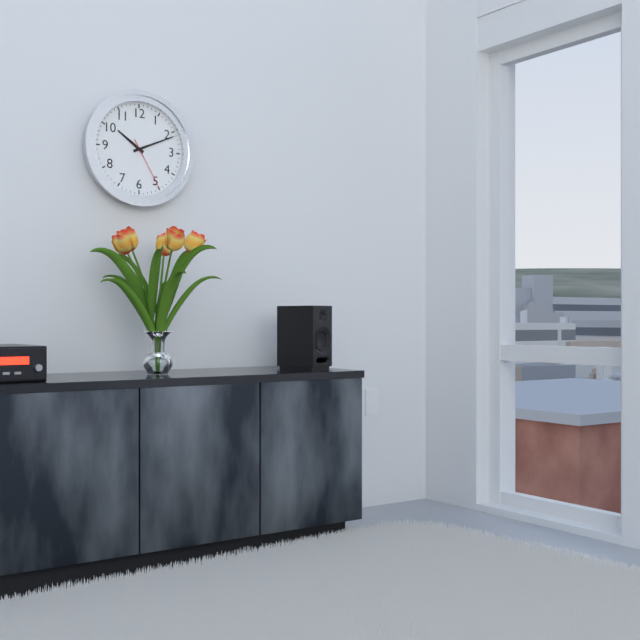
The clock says 10.11.25
